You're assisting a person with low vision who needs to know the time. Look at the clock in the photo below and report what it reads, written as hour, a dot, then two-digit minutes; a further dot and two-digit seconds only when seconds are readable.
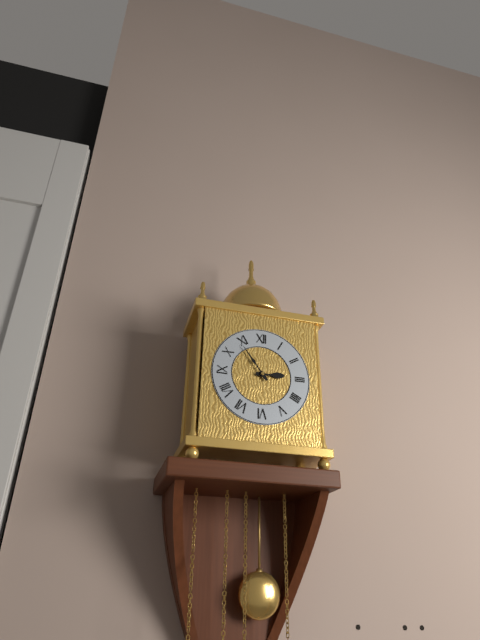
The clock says 2.54
